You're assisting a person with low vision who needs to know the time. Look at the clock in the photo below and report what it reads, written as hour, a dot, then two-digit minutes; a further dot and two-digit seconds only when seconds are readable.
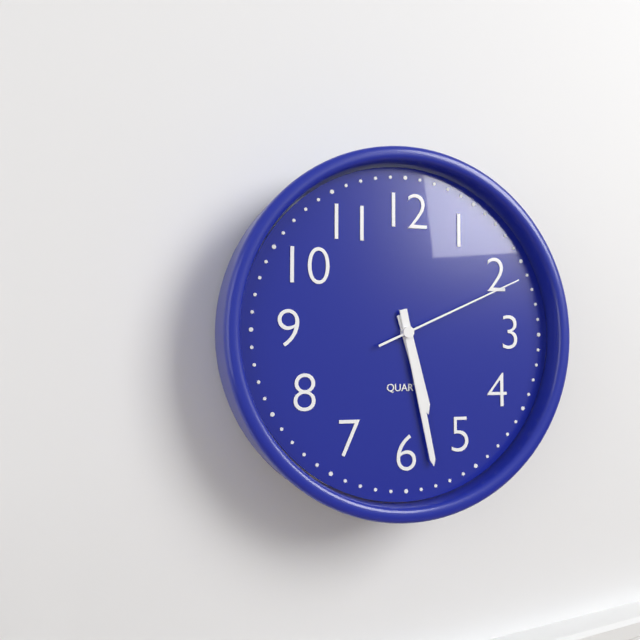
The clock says 5.28.11
